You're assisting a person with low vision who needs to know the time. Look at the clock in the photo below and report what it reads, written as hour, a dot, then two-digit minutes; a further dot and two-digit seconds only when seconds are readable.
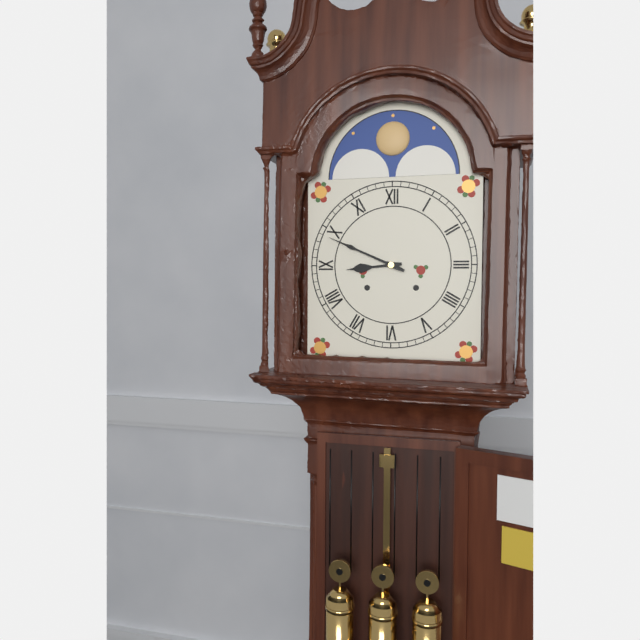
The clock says 8.49
